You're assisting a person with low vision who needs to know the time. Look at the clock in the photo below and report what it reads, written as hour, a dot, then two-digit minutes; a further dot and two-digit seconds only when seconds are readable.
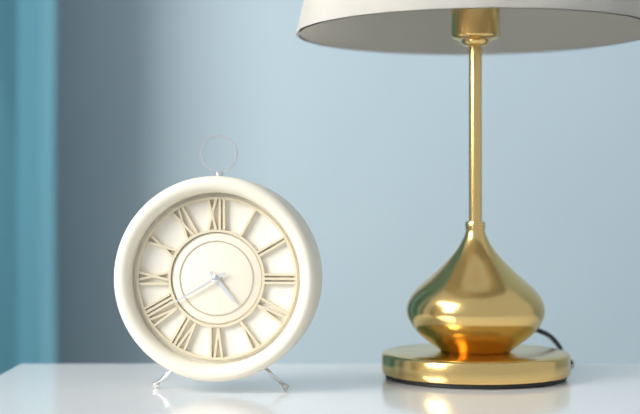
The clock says 4.40
